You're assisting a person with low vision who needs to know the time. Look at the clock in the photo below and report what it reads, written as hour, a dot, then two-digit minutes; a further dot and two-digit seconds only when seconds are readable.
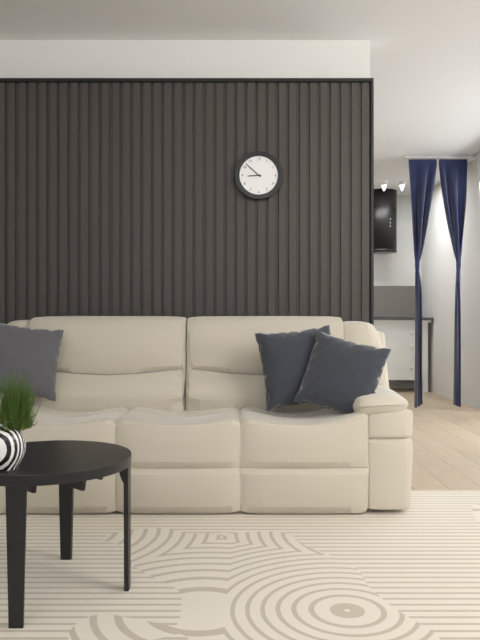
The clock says 8.52
